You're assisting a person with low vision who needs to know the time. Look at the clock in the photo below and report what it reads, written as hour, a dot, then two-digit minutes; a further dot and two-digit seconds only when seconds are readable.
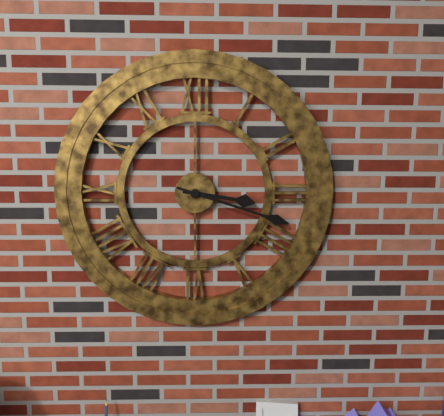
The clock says 3.18
